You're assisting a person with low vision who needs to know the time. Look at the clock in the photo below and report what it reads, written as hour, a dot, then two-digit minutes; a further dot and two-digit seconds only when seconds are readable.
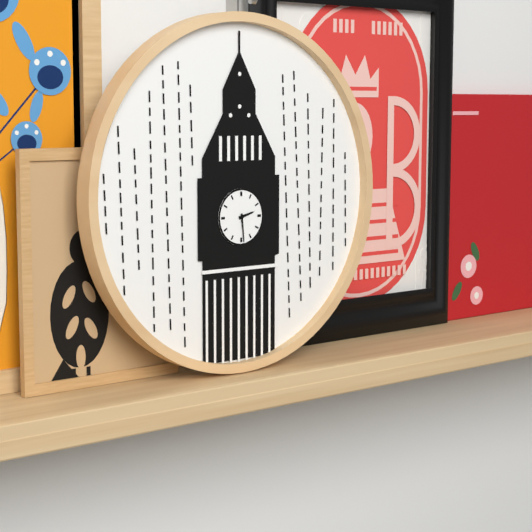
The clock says 2.29
